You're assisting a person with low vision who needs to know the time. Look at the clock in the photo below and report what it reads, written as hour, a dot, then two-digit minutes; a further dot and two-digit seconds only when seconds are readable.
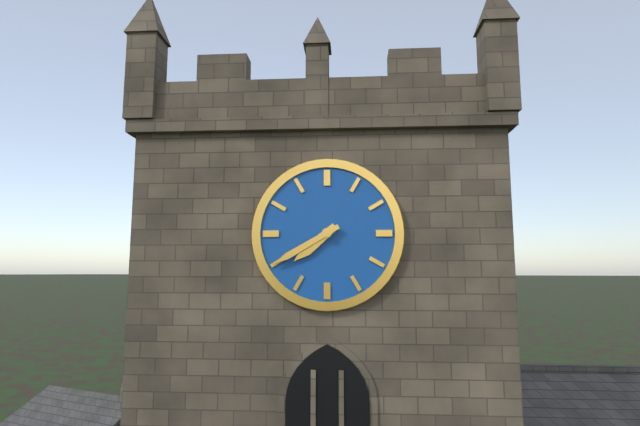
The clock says 7.40
